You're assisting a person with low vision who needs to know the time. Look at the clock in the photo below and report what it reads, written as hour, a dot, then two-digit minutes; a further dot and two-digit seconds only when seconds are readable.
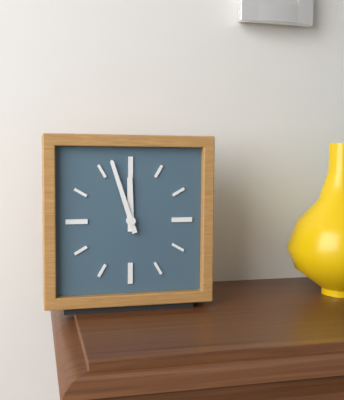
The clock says 11.57
